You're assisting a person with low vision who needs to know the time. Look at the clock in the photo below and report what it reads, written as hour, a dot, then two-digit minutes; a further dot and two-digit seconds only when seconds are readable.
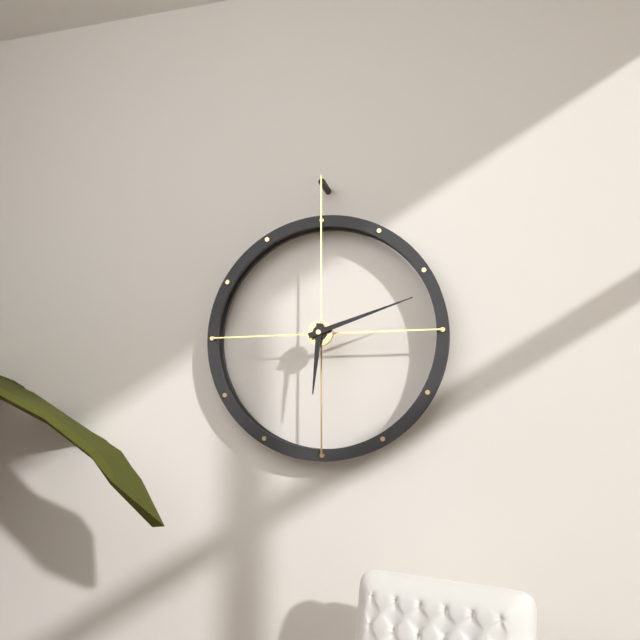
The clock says 6.12
